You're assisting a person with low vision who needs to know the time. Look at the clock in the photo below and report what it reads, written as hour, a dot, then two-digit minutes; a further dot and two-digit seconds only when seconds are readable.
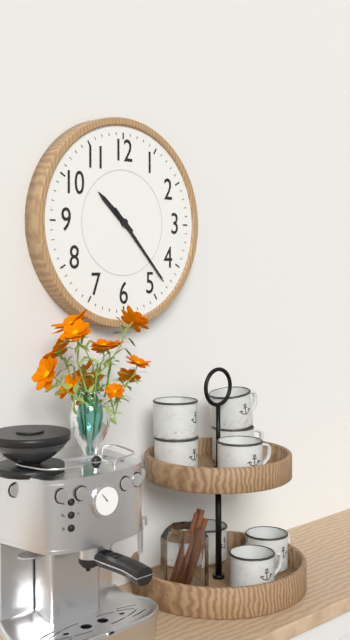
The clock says 10.23
